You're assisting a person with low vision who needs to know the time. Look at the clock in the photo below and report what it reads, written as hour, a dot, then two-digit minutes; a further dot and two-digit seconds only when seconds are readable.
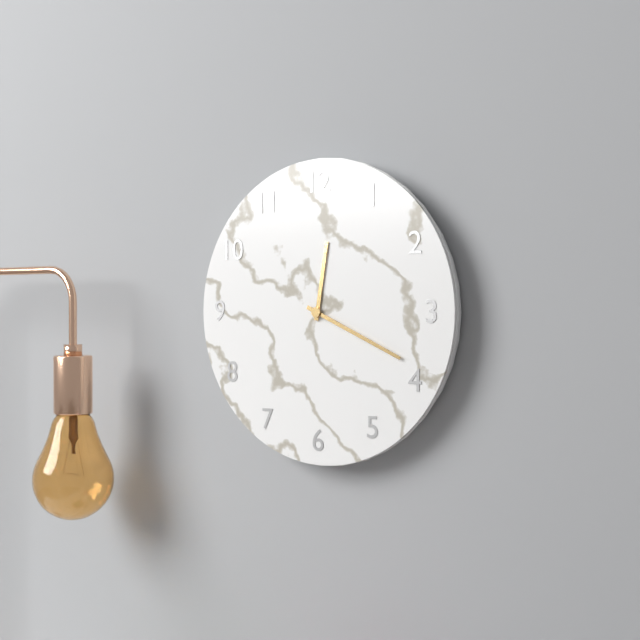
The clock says 12.19
